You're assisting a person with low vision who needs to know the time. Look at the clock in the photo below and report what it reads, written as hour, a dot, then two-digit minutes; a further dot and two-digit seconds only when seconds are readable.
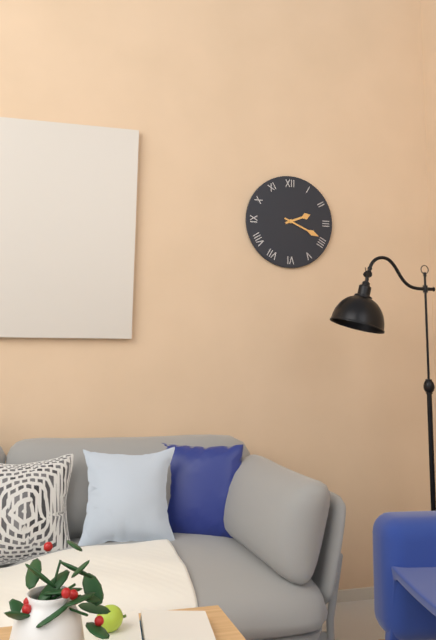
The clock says 2.19
